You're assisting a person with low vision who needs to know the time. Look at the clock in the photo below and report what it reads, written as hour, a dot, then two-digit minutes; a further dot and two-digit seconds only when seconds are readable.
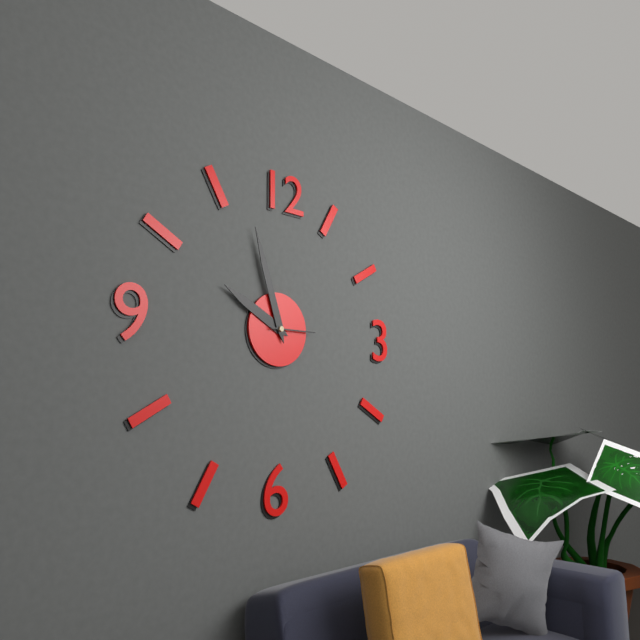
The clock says 9.57
